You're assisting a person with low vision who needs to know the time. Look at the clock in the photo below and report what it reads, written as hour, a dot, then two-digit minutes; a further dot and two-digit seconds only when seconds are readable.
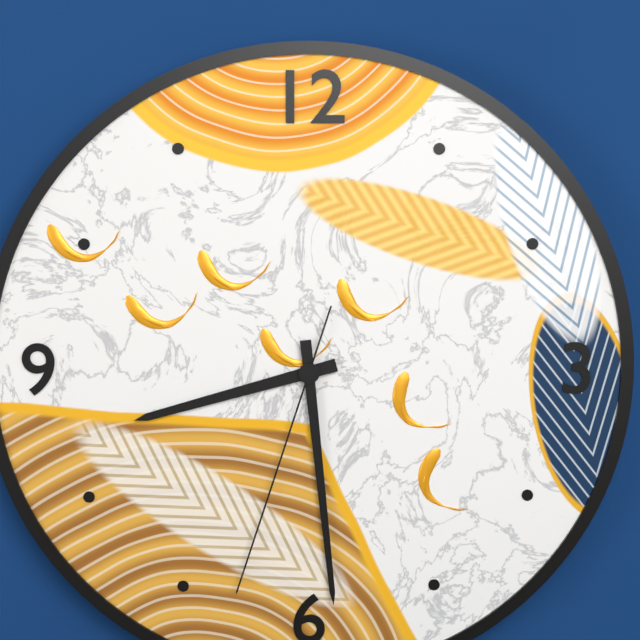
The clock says 8.29.33
